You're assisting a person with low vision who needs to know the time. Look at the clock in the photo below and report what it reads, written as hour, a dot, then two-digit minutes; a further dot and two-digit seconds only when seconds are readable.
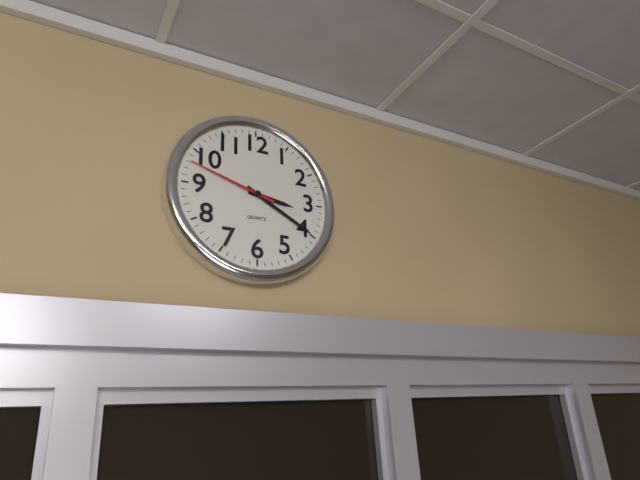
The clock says 3.20.48
